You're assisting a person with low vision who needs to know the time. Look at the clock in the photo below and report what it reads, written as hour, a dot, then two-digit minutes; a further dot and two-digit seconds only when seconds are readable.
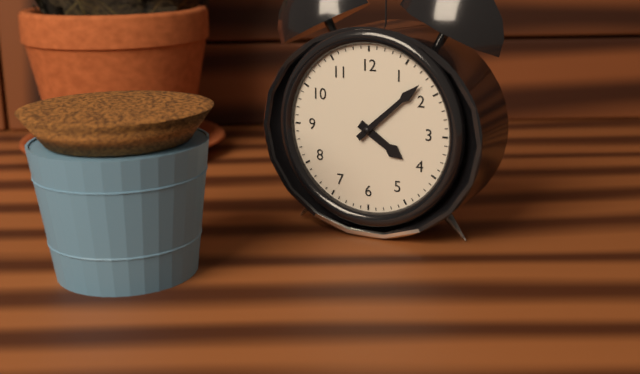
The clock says 4.08
